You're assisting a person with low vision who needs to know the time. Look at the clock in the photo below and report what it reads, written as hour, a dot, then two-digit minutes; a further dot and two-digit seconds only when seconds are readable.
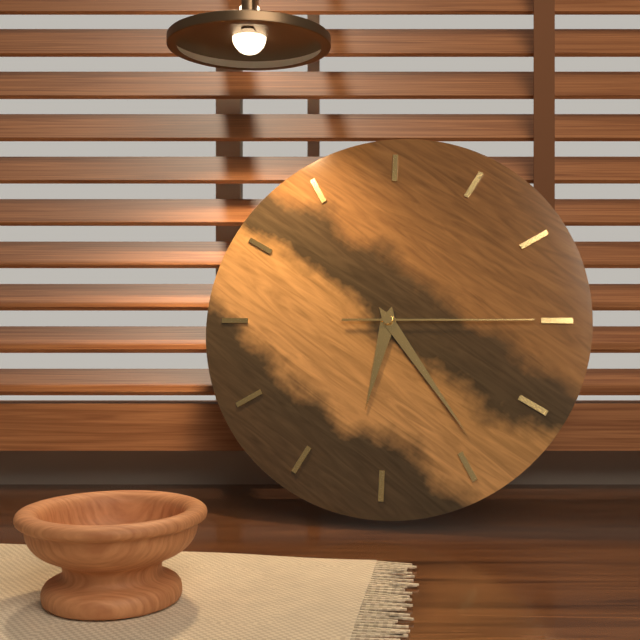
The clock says 6.24.15
